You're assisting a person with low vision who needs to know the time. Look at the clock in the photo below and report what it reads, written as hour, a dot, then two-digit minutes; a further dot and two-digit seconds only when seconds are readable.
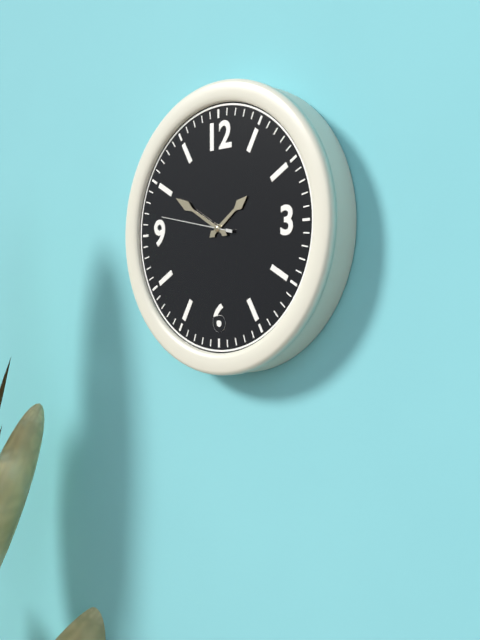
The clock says 1.50.47
